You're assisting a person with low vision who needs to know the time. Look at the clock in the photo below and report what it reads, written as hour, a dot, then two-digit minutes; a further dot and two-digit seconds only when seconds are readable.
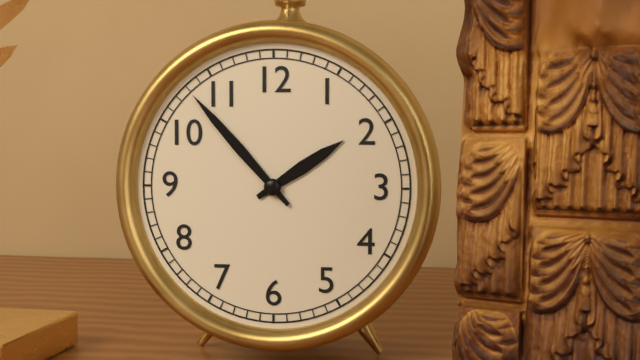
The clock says 1.53
